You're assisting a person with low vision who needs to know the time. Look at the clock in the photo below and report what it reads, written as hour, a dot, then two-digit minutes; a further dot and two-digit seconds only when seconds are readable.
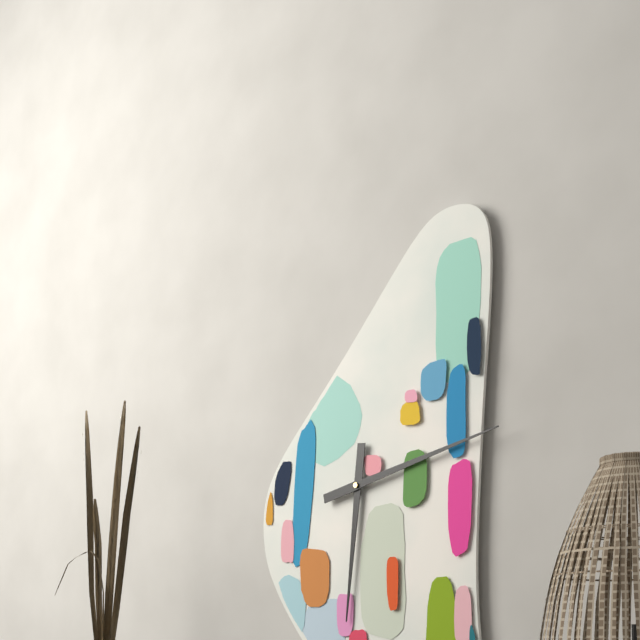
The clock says 6.13
